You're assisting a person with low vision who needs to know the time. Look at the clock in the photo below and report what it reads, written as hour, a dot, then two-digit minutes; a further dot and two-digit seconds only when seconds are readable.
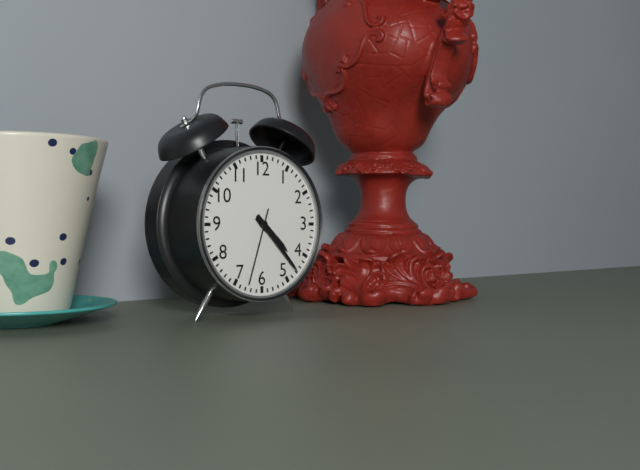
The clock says 4.23.33
